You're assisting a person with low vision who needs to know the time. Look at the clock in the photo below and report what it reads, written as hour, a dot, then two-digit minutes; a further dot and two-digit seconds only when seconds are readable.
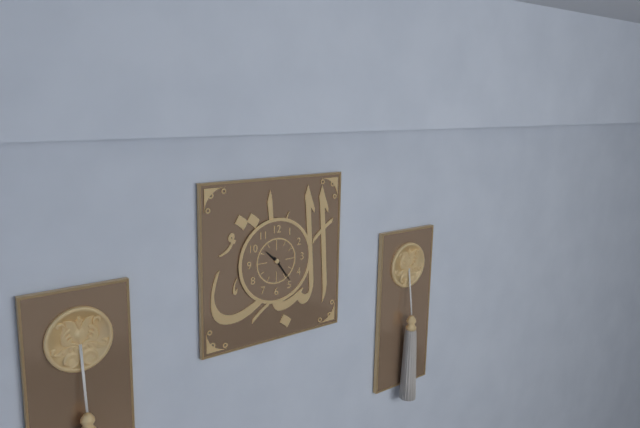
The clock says 10.24
